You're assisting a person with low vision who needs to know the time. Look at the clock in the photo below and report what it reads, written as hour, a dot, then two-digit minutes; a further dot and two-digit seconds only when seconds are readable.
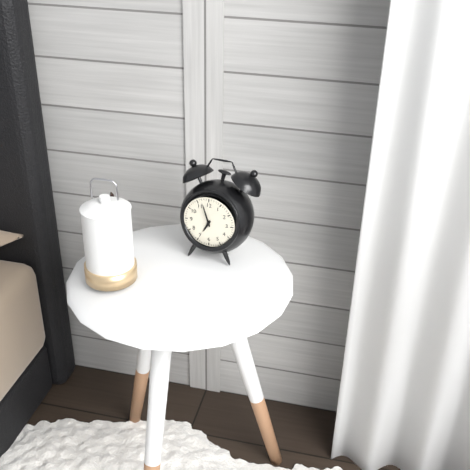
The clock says 6.57
